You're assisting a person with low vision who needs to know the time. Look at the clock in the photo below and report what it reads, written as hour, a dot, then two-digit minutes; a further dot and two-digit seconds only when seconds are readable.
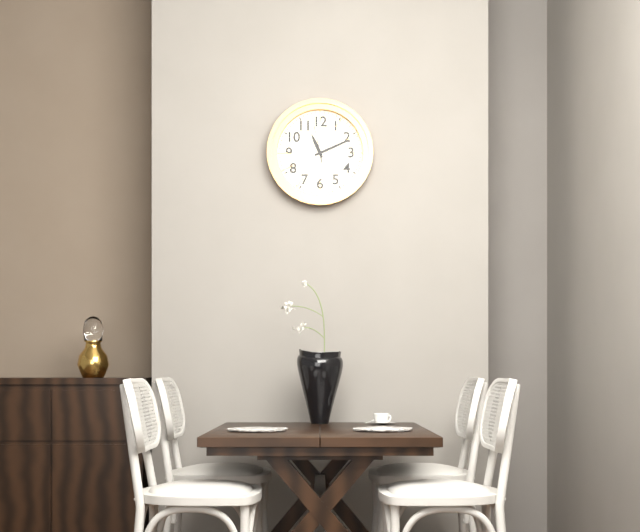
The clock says 11.11
